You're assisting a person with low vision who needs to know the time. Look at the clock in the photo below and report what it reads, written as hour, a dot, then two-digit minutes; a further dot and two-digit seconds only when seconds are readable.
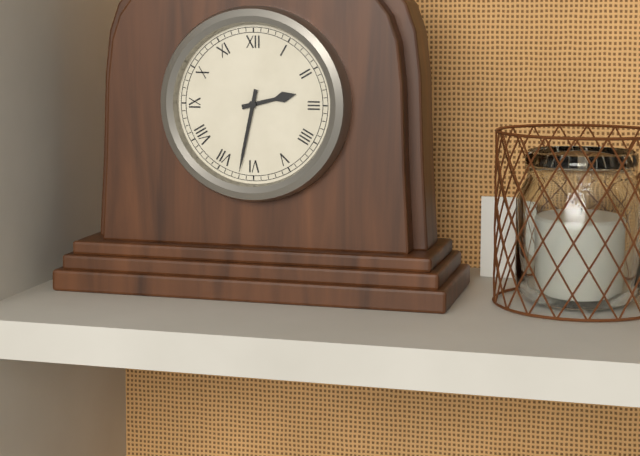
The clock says 2.32
